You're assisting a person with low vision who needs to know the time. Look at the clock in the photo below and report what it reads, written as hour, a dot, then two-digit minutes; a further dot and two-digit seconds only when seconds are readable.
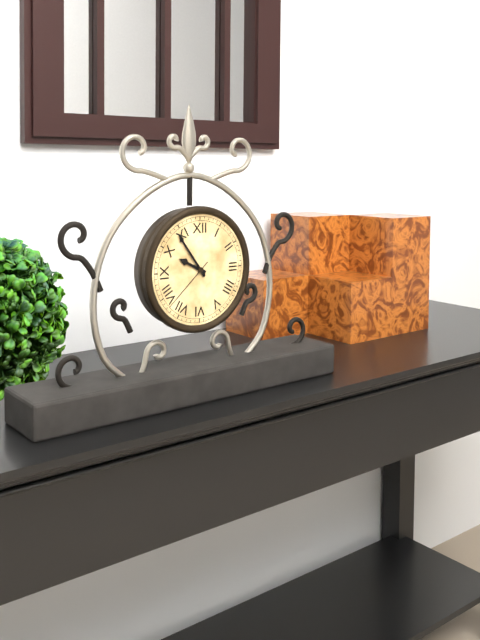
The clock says 9.54.38
